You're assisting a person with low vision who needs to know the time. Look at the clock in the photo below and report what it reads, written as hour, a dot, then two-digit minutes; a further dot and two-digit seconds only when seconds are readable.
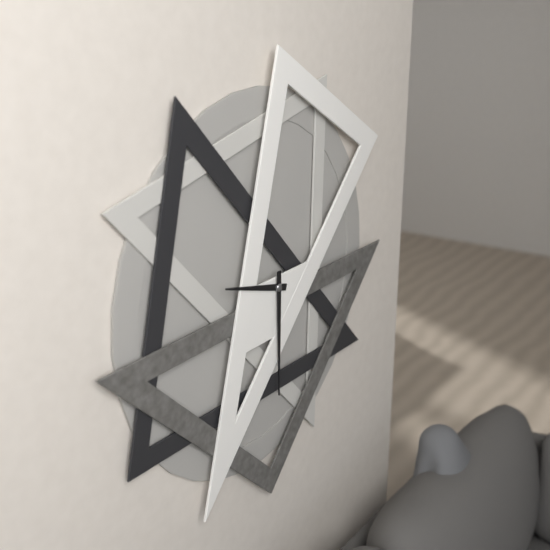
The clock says 9.30
